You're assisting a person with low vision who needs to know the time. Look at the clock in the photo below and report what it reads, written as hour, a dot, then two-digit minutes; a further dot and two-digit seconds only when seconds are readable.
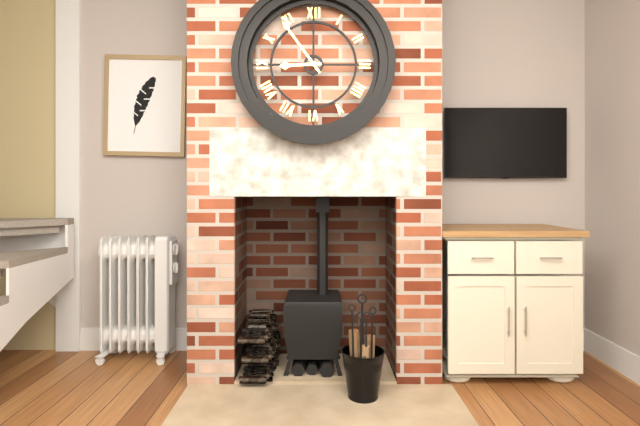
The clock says 8.54
